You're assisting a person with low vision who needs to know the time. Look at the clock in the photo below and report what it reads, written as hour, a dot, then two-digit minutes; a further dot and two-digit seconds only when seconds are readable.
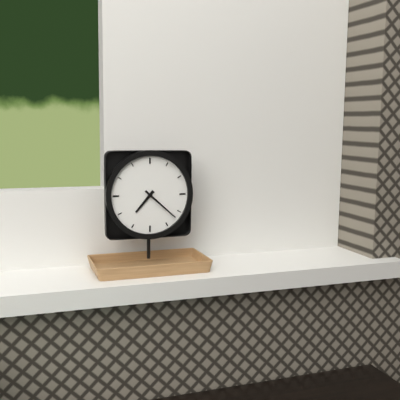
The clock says 7.22
